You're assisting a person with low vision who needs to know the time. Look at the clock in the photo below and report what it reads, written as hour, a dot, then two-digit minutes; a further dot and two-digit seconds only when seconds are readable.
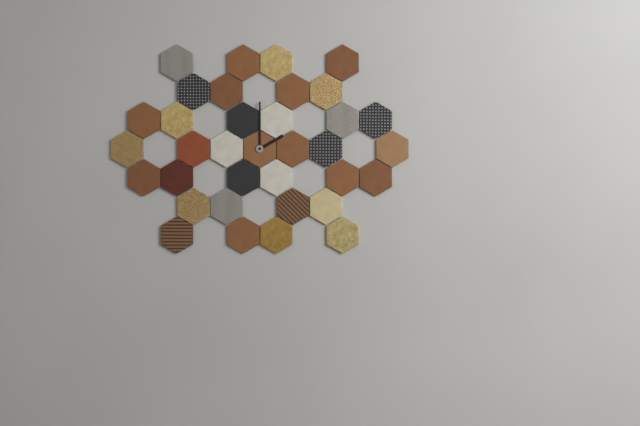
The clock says 2.00
